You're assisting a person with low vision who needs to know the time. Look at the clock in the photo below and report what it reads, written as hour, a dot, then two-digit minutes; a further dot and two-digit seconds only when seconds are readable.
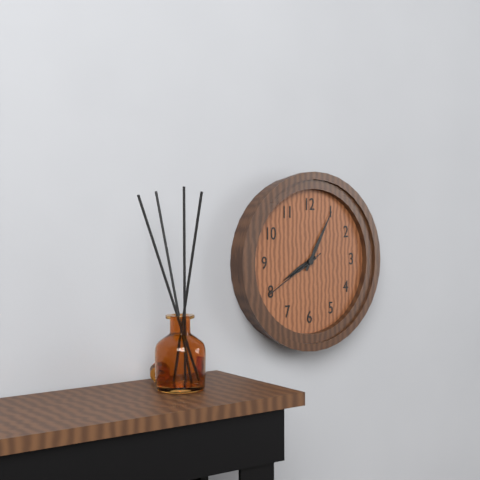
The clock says 8.05.40
